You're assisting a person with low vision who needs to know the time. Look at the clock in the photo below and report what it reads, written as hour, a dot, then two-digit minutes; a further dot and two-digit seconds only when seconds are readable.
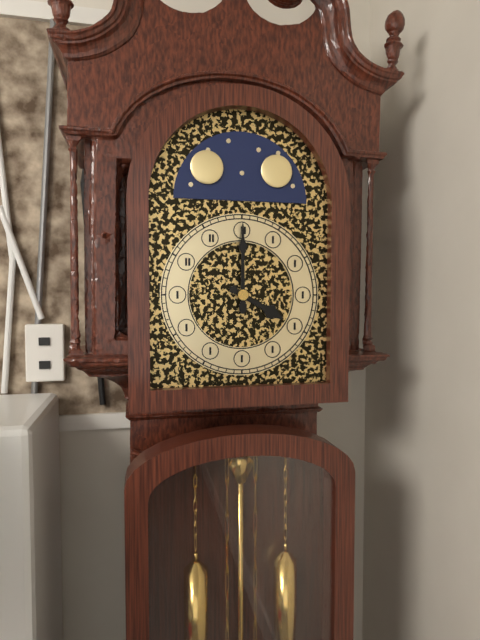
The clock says 4.00
